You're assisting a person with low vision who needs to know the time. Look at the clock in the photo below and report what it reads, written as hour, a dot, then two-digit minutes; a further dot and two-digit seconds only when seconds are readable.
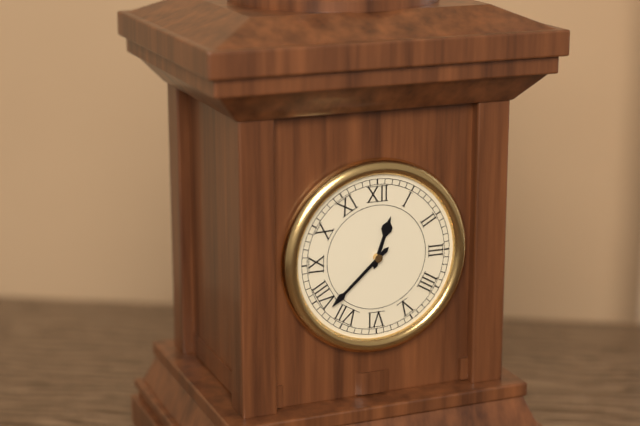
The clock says 12.38
